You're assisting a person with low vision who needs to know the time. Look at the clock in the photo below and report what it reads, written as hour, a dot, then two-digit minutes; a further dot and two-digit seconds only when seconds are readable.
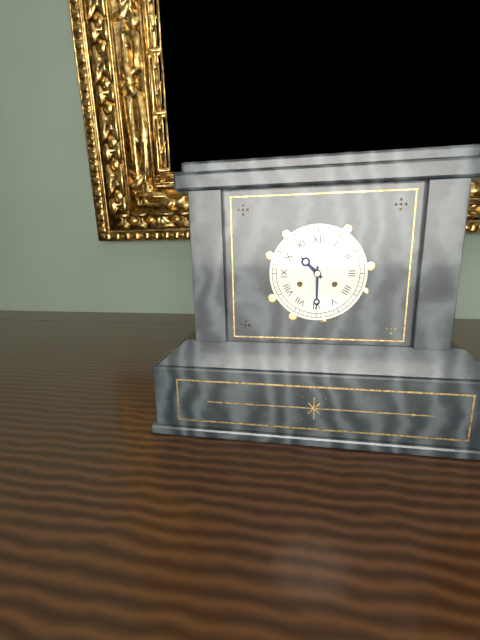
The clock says 10.30
